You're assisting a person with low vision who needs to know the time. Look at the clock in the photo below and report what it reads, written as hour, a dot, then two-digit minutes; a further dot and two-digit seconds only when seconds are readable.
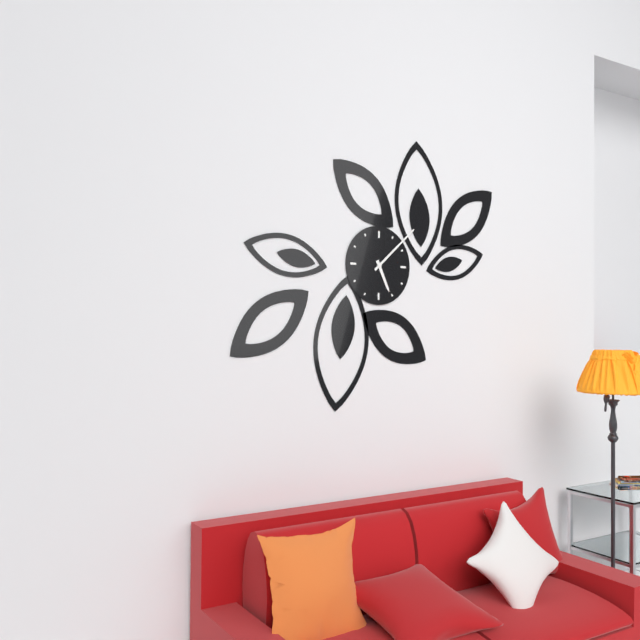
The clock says 5.08
